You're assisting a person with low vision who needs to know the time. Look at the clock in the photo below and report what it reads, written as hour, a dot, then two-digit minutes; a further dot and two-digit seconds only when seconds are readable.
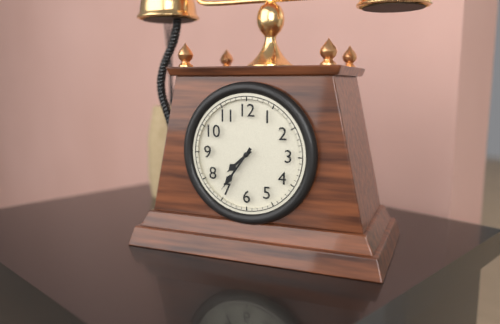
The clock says 7.36
